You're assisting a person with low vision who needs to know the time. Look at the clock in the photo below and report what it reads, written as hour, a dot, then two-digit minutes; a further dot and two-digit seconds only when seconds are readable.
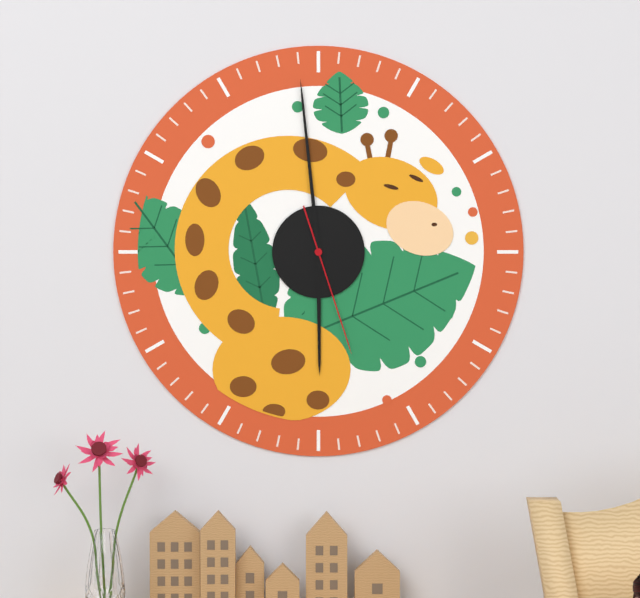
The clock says 5.59.27
